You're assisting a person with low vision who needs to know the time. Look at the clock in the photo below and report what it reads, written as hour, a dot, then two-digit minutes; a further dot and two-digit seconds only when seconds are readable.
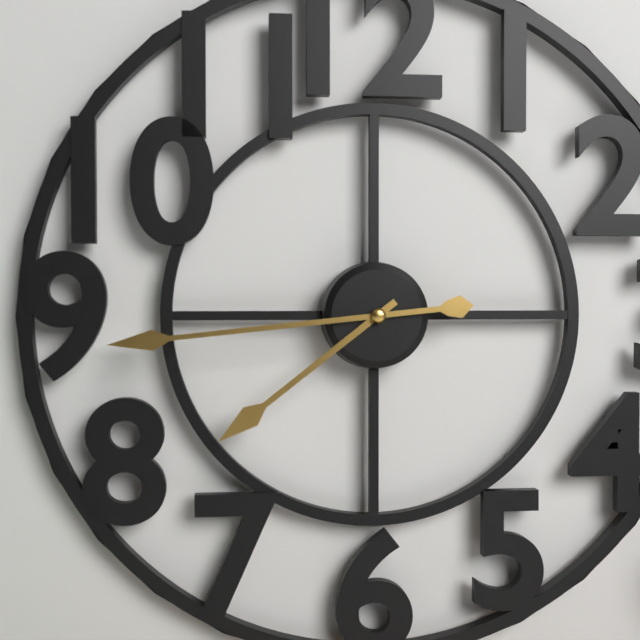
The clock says 7.44
